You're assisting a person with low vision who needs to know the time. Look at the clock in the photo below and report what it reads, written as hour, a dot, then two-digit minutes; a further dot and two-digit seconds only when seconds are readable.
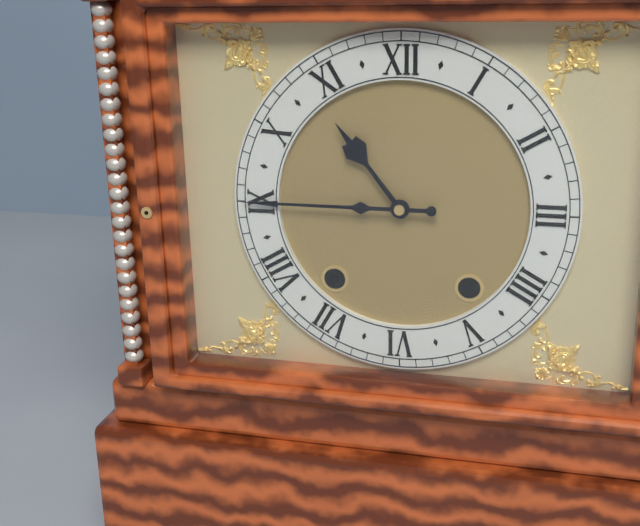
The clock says 10.45
